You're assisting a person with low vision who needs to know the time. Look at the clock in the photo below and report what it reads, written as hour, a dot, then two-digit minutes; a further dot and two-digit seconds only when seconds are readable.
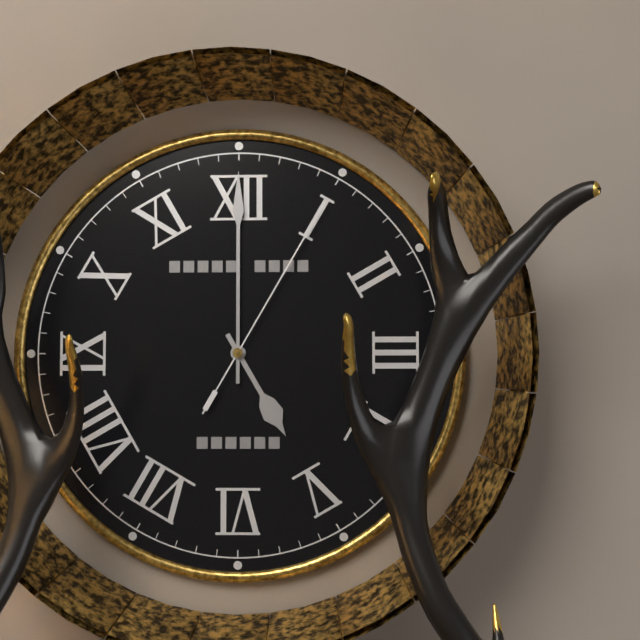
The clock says 5.00.05
